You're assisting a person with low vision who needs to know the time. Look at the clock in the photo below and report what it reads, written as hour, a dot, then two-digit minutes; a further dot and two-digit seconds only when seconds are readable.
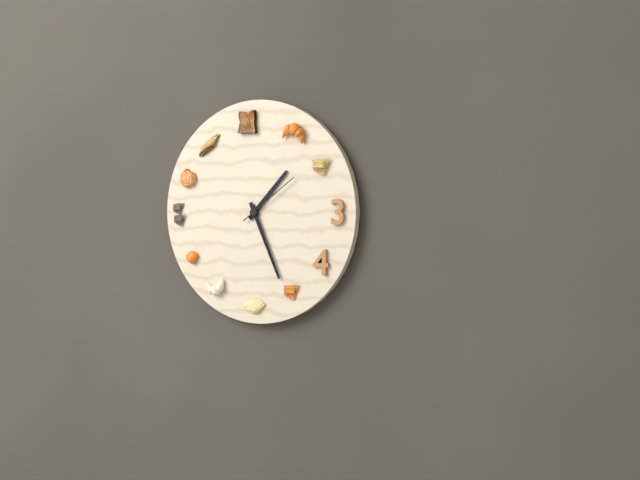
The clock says 1.26.09
